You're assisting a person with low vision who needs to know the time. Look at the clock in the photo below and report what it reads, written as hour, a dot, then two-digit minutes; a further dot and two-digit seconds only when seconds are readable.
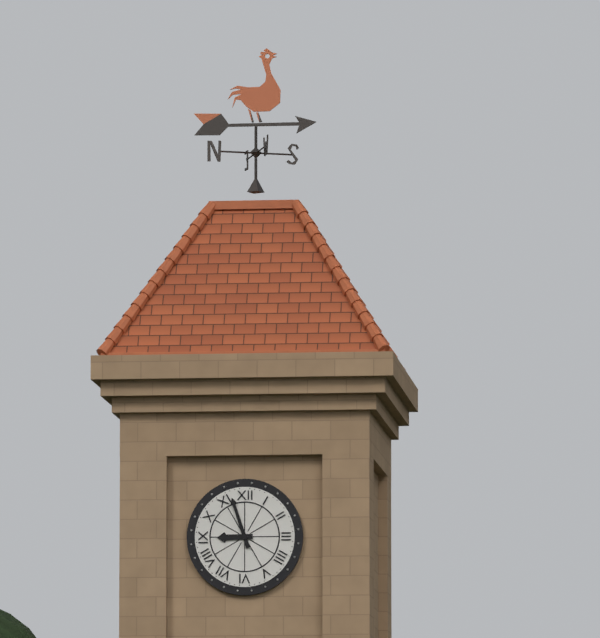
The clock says 8.57
